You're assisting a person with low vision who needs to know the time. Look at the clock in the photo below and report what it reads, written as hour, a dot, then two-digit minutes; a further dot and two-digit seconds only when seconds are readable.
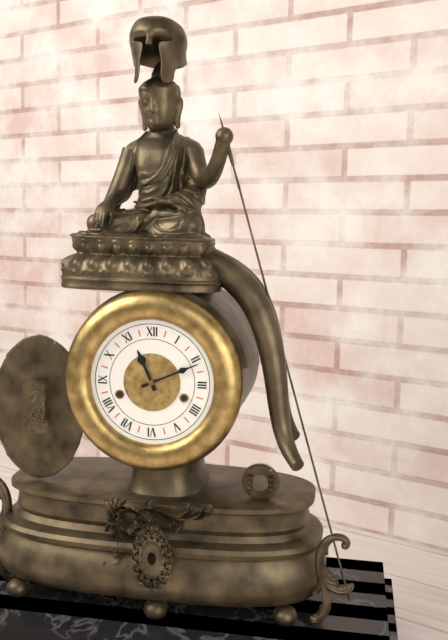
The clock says 11.11
